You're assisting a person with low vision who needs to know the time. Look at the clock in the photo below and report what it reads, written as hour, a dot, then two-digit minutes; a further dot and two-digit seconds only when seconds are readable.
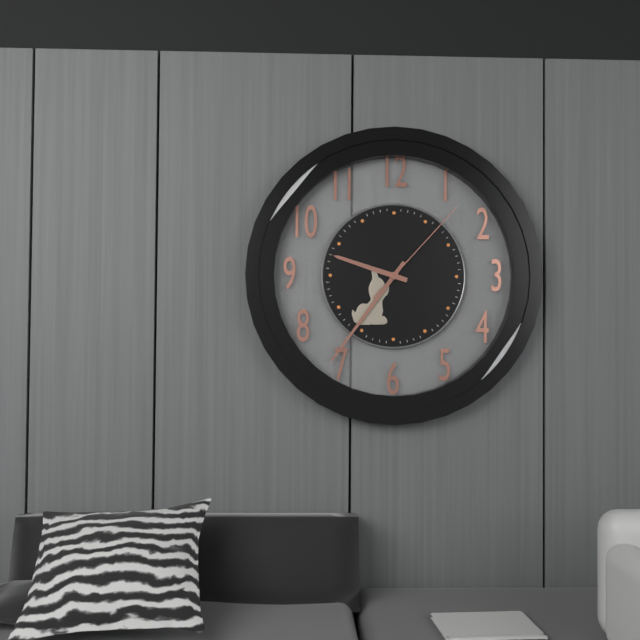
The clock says 9.36.07
